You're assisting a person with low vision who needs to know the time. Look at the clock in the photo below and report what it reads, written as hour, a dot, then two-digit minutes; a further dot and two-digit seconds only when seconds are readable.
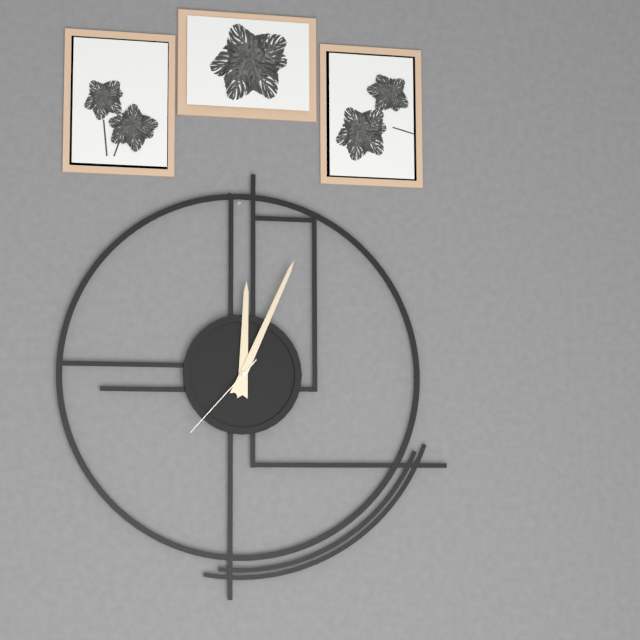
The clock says 12.04.37
